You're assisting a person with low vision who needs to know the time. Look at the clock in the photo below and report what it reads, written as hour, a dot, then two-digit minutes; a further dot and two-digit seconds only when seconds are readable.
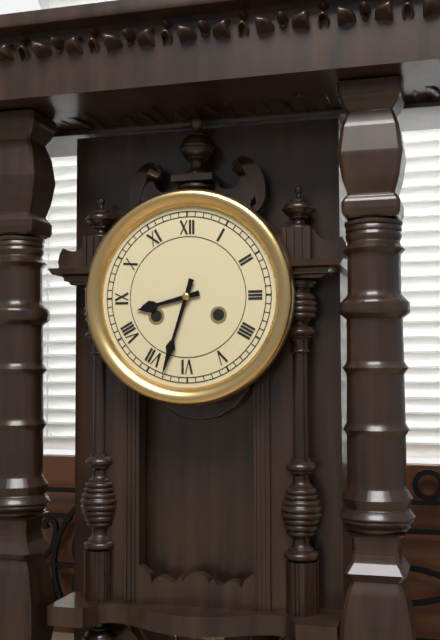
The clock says 8.33
